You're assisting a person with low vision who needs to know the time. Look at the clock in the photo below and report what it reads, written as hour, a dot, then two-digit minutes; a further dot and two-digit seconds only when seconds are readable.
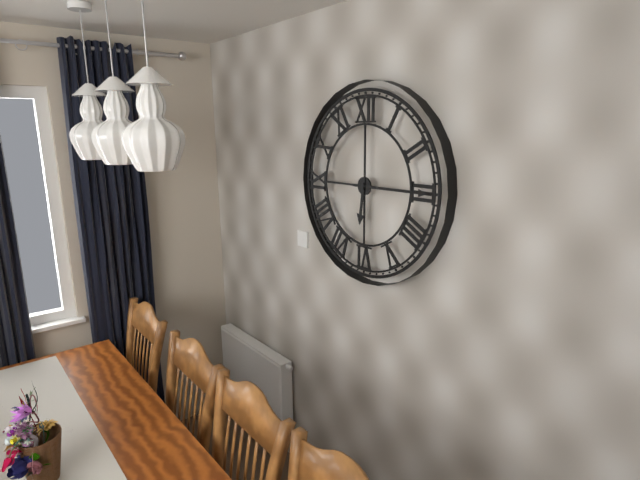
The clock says 6.15
